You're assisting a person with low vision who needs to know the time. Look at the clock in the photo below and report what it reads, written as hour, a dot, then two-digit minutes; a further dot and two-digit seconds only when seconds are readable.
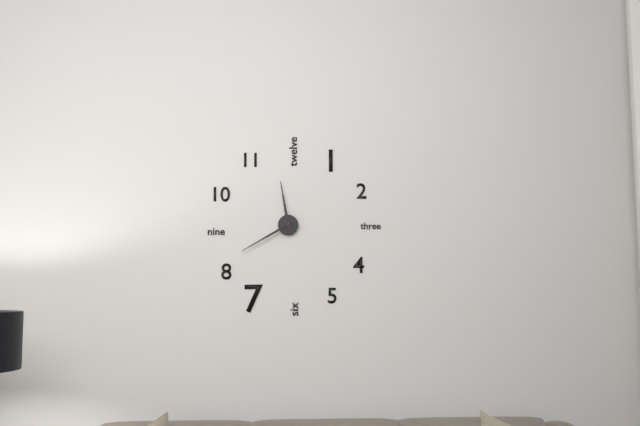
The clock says 11.40
